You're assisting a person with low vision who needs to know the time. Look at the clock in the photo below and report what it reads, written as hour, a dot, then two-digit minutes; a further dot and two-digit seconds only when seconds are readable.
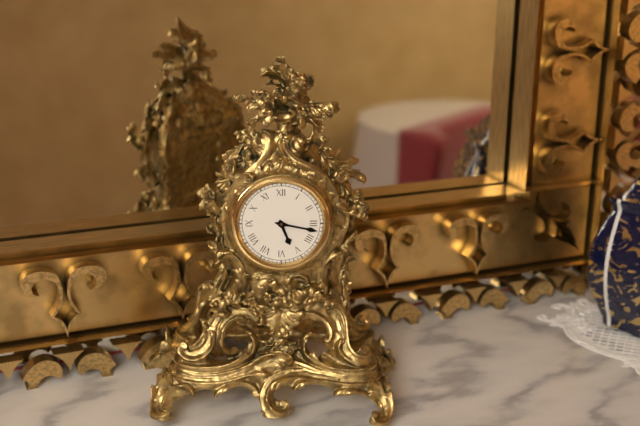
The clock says 5.17
